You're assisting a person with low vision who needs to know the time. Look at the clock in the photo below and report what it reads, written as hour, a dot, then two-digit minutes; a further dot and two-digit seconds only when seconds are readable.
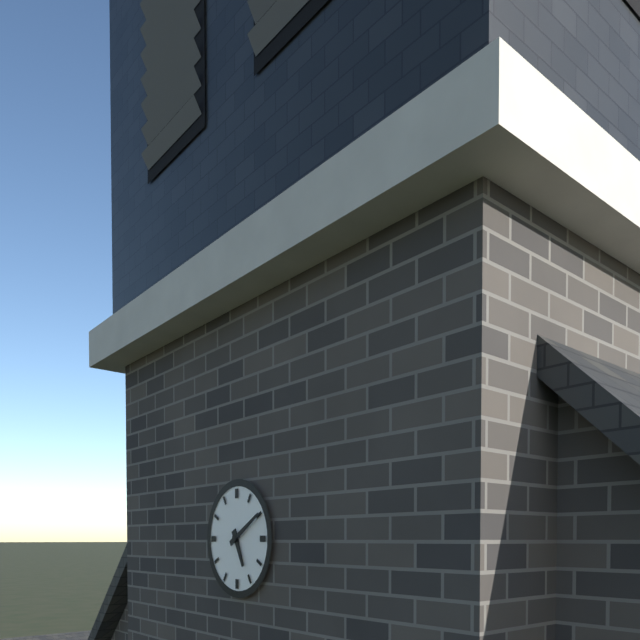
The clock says 5.10
